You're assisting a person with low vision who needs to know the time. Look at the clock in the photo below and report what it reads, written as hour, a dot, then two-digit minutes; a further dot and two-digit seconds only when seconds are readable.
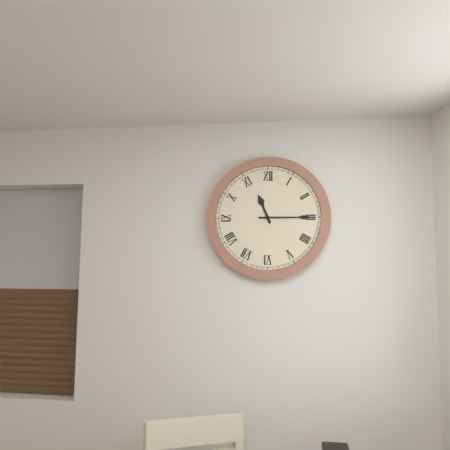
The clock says 11.15
